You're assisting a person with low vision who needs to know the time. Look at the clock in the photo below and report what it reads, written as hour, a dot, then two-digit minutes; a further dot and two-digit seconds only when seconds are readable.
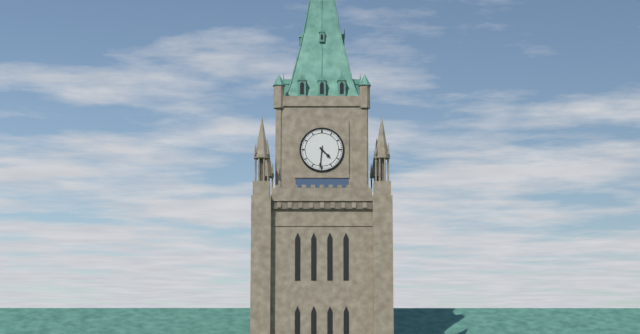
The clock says 4.31
